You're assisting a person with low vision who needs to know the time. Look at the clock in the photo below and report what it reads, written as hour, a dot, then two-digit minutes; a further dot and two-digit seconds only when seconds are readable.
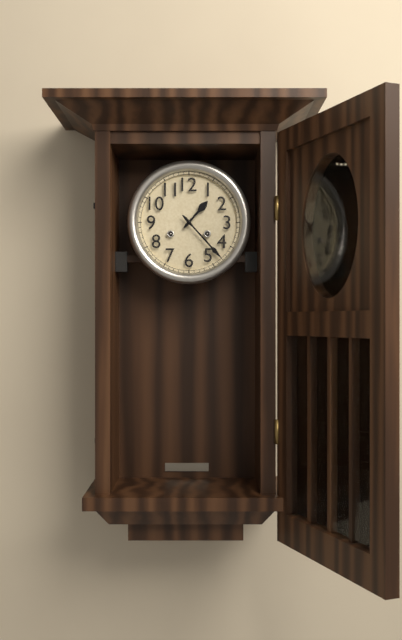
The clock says 1.23
